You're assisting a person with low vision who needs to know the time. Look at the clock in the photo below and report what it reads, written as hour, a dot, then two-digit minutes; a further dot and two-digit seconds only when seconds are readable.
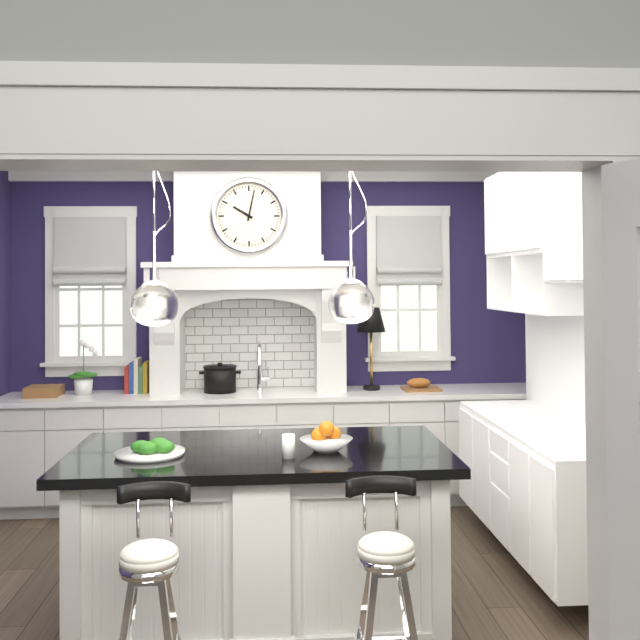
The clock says 10.02
